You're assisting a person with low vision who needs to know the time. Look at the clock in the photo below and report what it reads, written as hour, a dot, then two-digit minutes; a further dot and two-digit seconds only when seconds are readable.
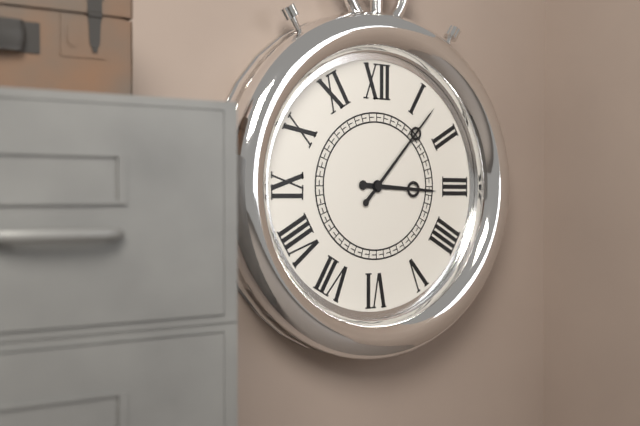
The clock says 3.07
